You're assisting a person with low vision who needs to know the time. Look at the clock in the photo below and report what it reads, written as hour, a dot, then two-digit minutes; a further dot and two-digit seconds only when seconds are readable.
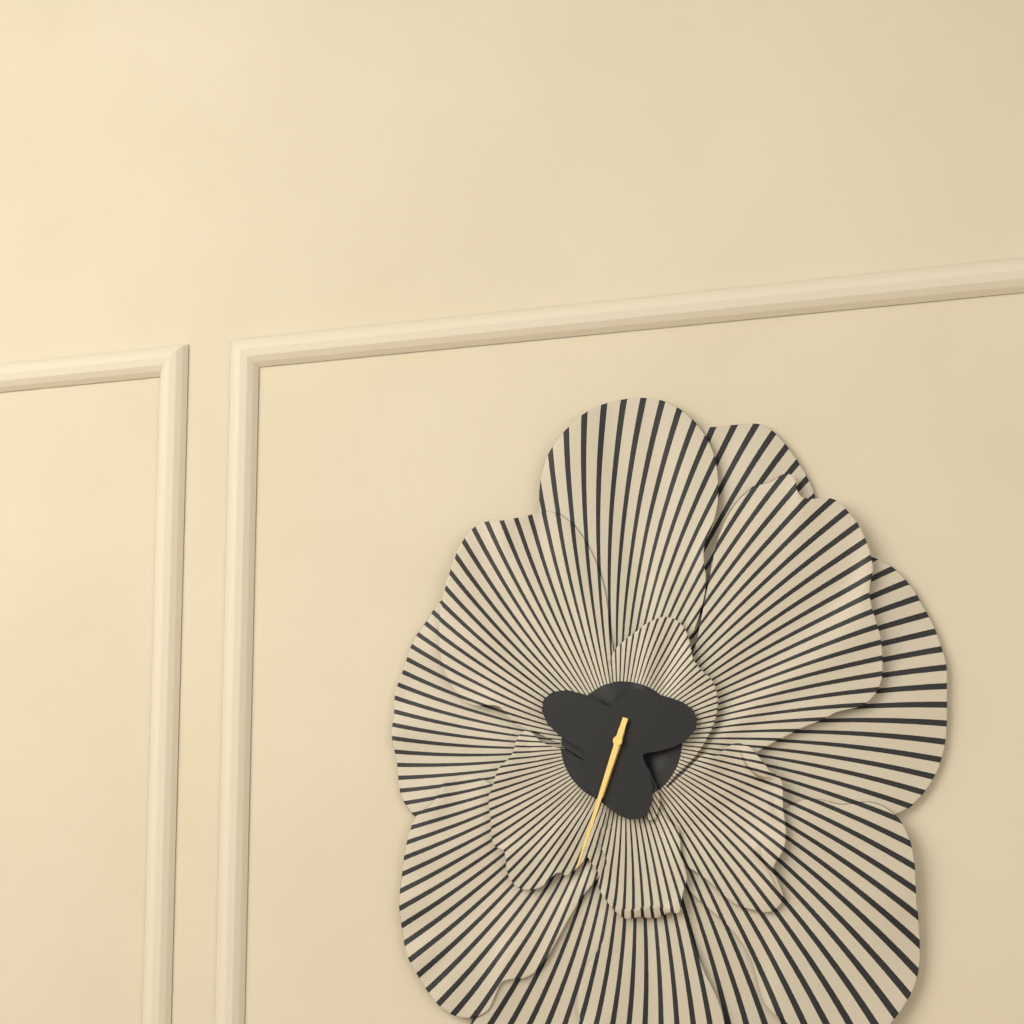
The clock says 6.33
